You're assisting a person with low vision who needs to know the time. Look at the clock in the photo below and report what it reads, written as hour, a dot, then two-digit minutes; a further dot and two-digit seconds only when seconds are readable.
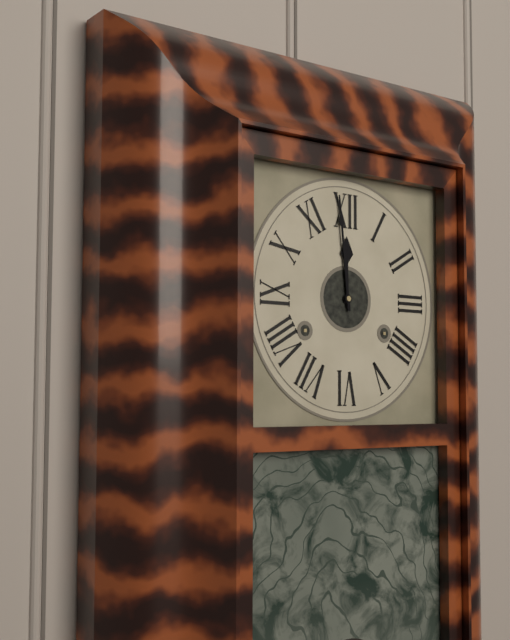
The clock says 11.59
